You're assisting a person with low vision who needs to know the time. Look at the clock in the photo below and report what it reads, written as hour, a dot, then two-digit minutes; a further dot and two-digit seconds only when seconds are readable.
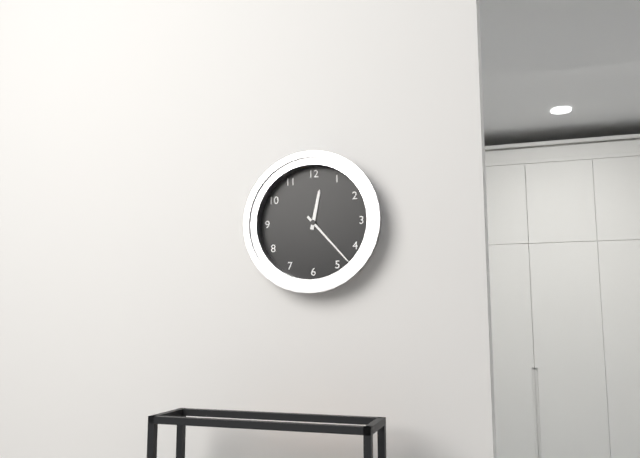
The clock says 12.23
